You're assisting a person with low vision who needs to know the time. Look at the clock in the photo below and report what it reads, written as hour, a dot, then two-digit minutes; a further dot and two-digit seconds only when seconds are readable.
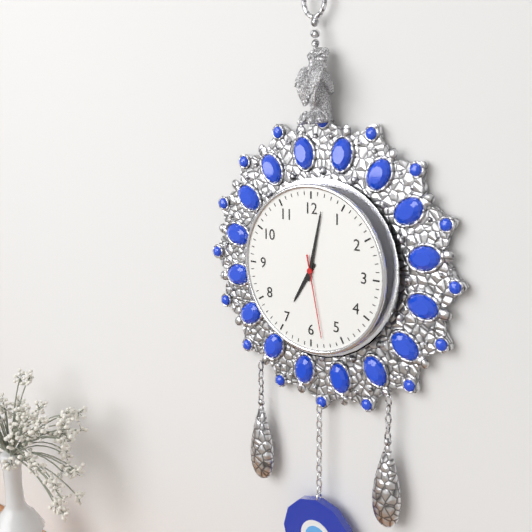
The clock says 7.02.28
